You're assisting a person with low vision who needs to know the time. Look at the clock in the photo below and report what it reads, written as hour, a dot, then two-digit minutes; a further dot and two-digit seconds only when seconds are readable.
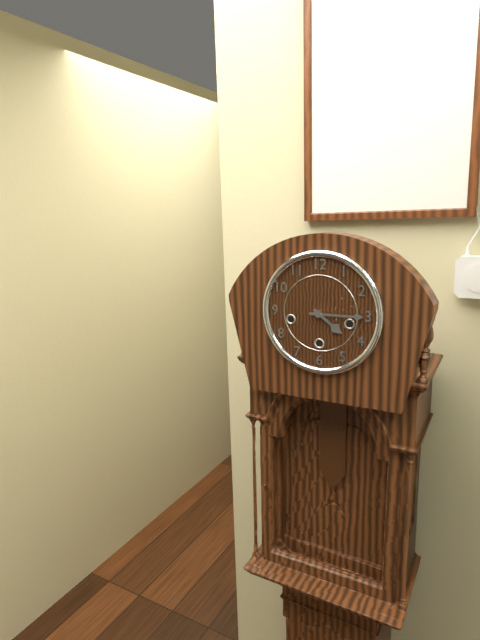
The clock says 4.15
